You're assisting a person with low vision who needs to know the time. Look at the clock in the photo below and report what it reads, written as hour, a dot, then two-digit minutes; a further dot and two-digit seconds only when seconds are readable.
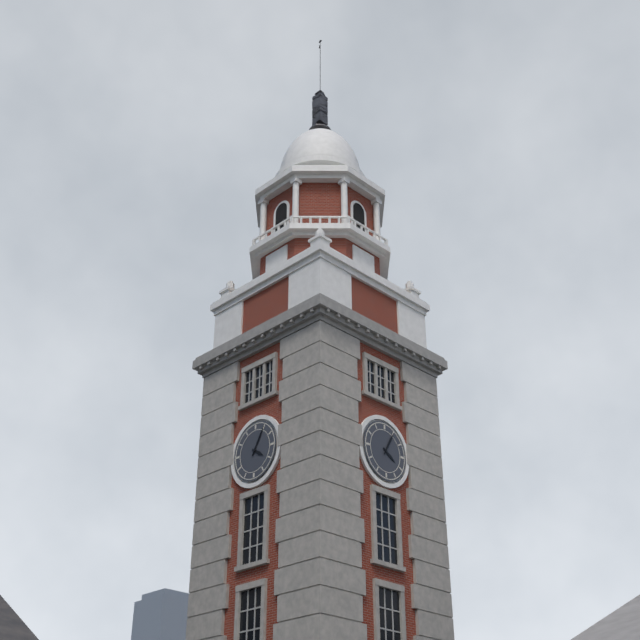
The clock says 4.05
